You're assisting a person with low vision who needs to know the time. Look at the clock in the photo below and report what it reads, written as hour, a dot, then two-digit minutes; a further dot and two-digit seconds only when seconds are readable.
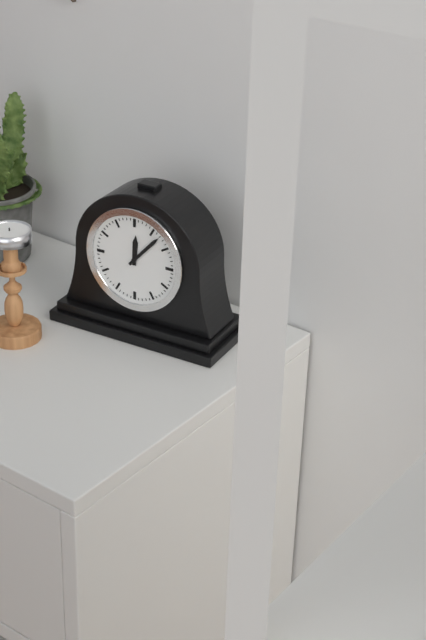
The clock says 12.07
